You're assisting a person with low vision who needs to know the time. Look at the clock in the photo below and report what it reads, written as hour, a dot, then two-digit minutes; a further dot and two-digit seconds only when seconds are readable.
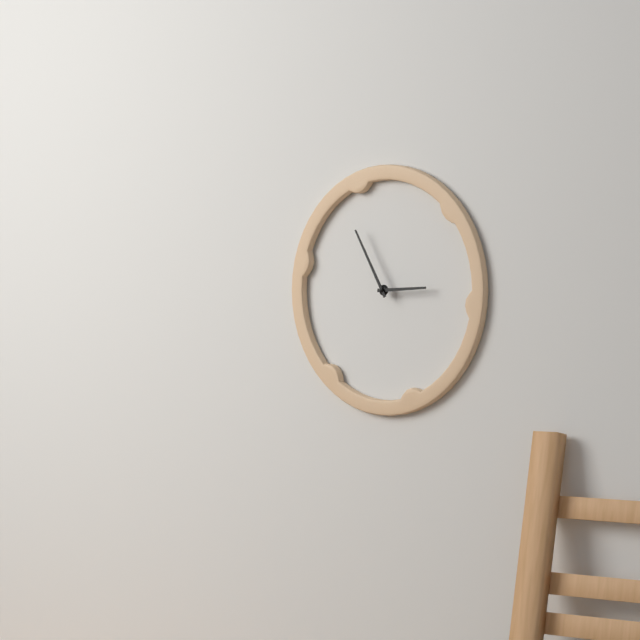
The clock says 2.55
